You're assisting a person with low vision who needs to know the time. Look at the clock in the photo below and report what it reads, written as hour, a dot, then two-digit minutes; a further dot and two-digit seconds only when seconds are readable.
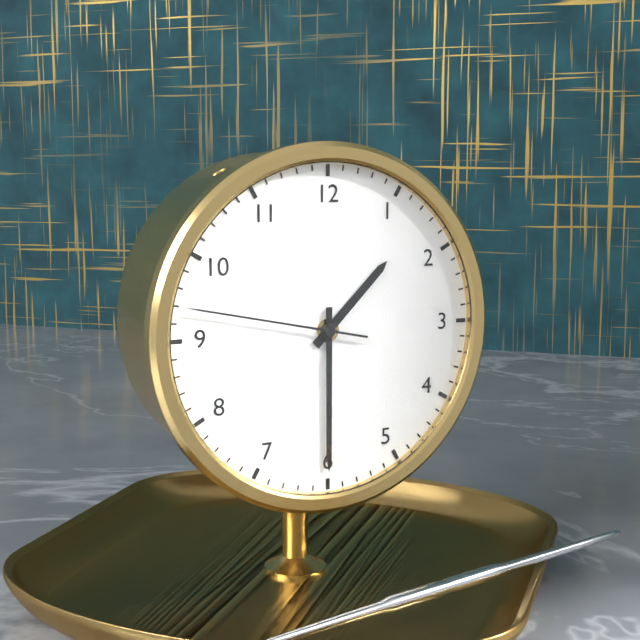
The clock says 1.30.47
